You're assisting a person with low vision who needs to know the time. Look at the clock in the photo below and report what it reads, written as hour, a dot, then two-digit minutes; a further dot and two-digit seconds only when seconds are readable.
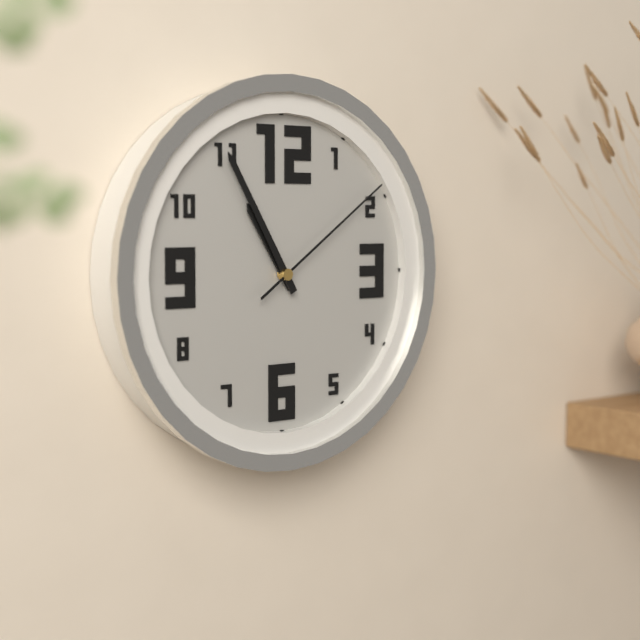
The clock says 10.55.09
